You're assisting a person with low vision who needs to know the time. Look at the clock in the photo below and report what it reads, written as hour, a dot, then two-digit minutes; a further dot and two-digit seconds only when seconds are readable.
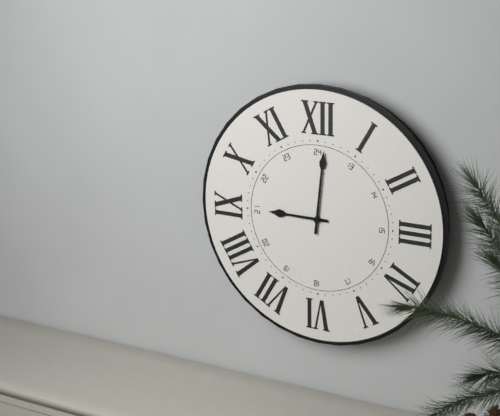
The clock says 9.01
